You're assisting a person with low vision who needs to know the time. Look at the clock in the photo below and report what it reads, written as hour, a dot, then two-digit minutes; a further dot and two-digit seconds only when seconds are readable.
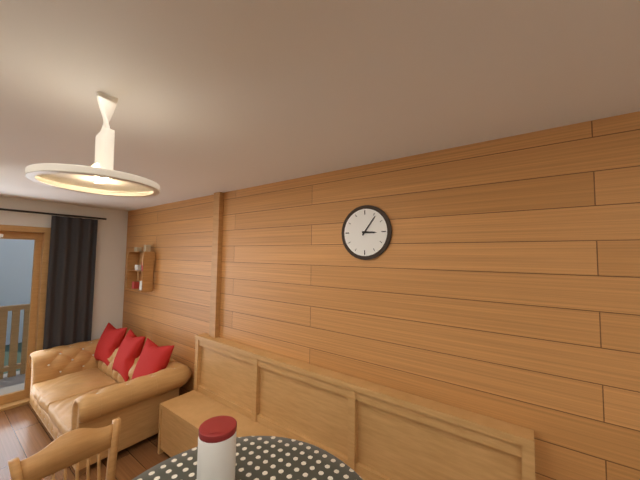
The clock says 3.06
